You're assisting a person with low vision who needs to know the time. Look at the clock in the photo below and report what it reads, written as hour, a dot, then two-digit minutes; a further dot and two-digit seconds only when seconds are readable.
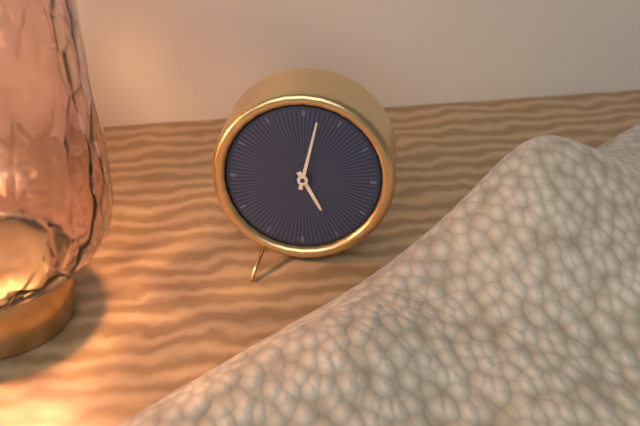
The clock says 5.02
